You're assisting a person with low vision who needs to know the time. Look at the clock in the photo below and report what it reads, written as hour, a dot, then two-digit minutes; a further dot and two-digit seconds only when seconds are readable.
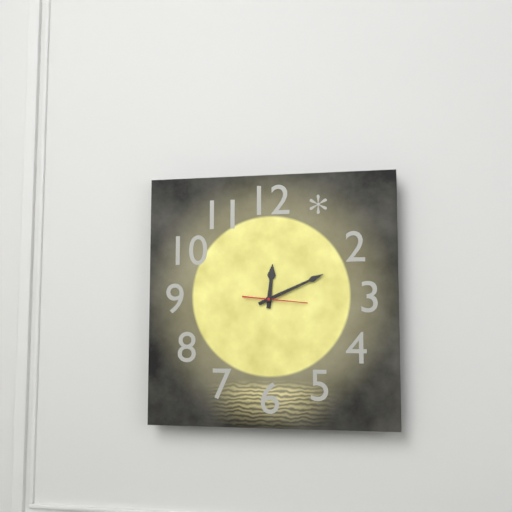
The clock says 12.11
